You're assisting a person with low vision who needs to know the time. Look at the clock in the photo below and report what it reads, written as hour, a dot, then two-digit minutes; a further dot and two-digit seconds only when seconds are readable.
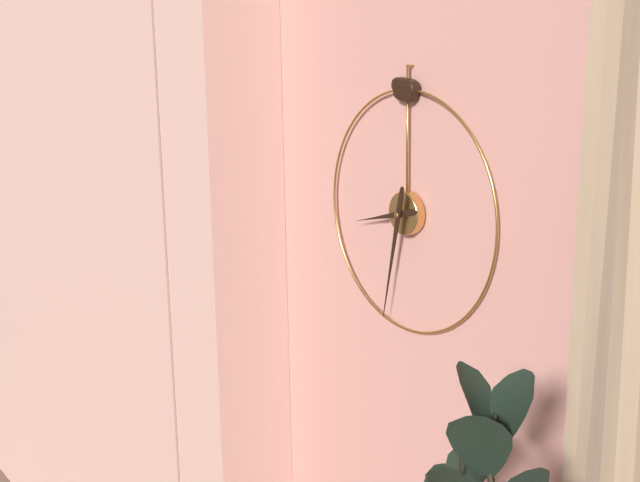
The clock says 8.32
